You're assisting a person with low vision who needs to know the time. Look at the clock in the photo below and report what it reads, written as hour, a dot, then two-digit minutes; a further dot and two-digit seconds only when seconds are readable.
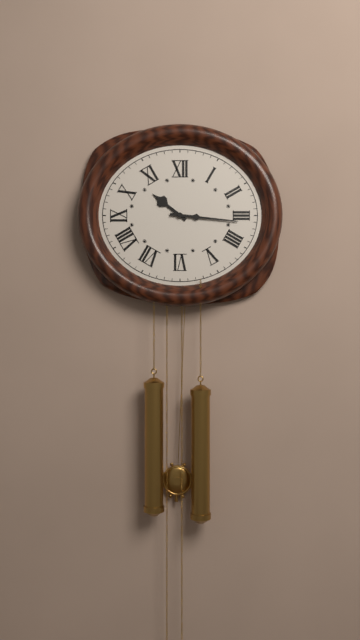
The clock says 10.16
